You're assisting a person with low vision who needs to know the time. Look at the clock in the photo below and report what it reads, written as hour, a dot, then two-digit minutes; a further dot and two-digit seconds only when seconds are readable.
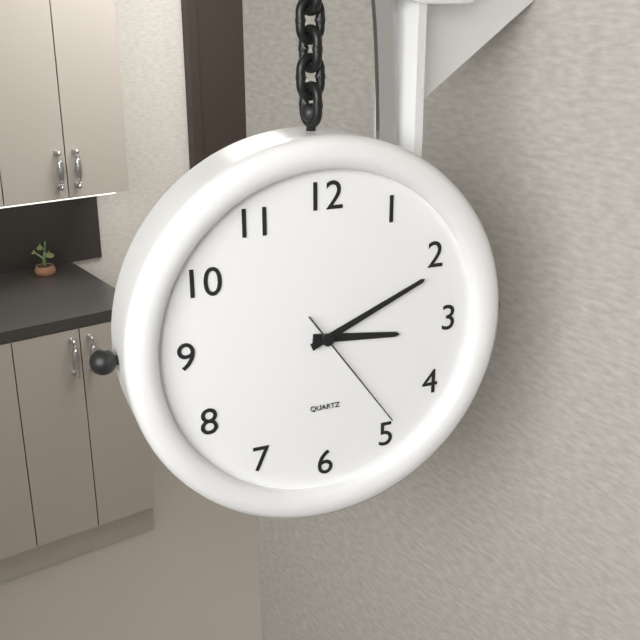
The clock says 3.11.24
